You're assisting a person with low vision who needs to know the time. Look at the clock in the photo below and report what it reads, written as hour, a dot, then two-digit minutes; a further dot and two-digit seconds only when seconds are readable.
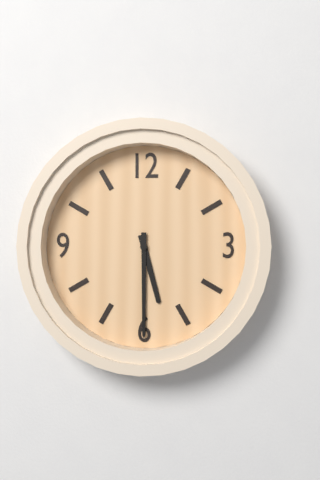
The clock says 5.30
